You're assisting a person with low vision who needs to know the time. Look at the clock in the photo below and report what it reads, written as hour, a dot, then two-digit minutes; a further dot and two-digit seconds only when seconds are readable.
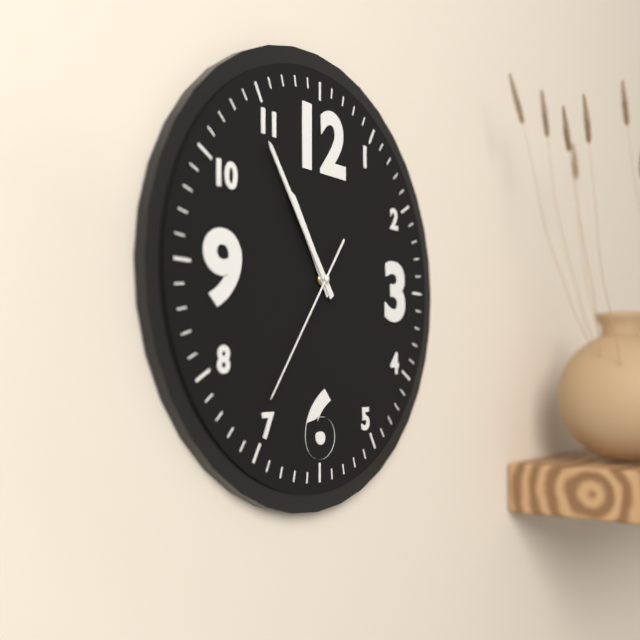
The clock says 10.54.36
